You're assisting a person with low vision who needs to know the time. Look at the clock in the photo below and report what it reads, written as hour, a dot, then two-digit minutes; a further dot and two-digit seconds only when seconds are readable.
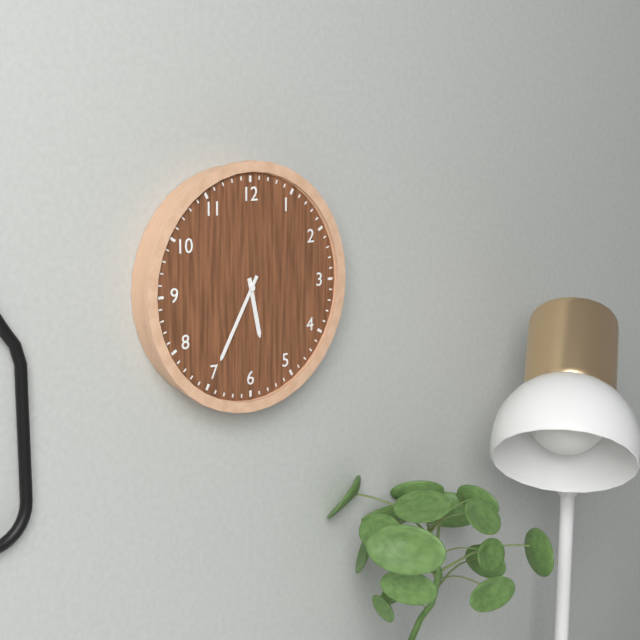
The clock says 5.35
